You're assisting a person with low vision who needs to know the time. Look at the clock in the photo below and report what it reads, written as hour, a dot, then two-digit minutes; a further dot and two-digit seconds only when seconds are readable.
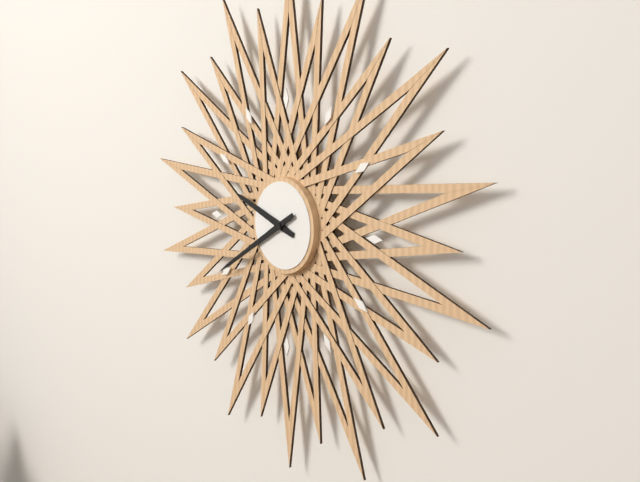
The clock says 9.40
